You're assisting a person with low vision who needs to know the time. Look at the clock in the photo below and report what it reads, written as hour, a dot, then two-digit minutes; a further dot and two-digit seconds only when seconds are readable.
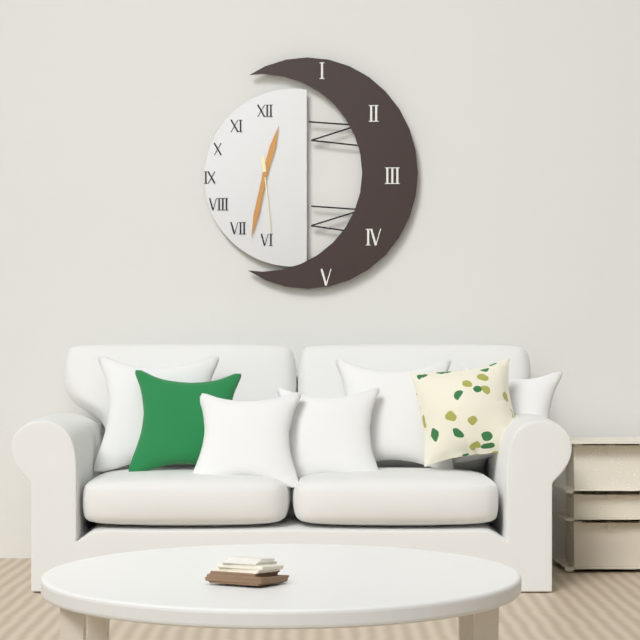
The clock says 12.32.29
